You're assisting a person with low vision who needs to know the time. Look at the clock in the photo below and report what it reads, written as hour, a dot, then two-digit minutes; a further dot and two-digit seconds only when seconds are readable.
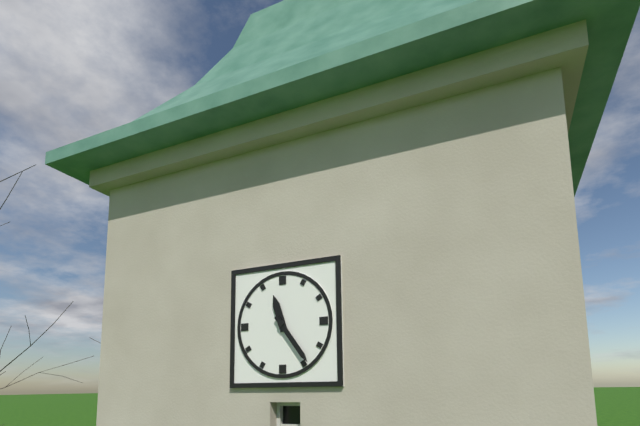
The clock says 11.24
